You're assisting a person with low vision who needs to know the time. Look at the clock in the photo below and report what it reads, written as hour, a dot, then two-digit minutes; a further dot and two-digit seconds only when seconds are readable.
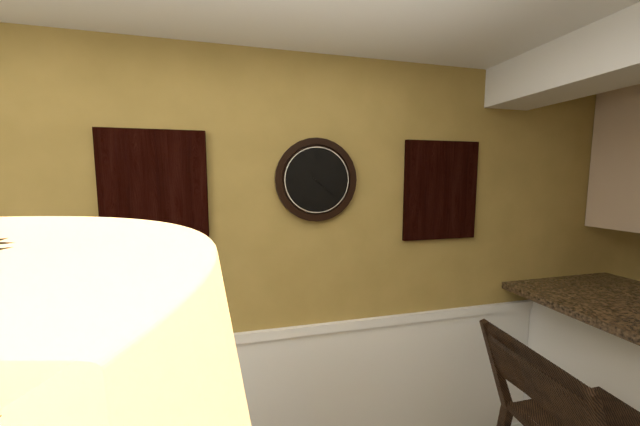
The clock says 4.22
